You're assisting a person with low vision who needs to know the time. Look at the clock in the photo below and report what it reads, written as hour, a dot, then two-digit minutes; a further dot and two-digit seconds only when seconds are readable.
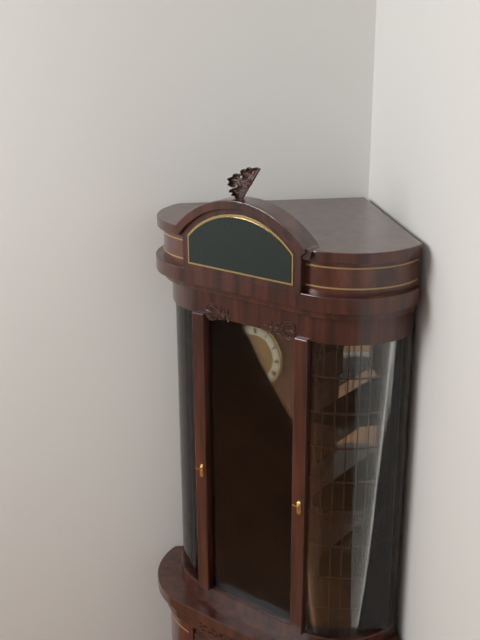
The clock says 10.55
